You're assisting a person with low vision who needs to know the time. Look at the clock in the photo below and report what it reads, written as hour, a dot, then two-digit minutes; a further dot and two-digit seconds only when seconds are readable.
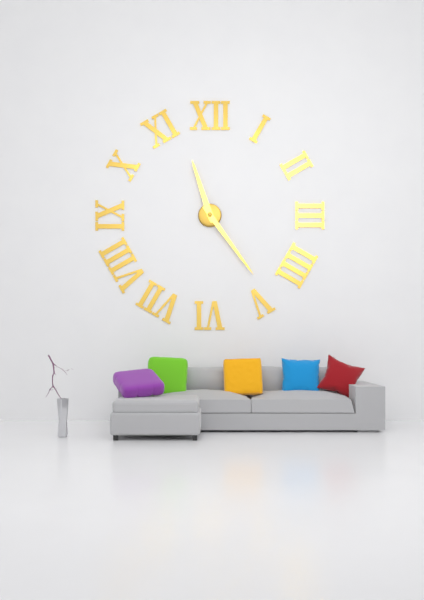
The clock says 11.24
